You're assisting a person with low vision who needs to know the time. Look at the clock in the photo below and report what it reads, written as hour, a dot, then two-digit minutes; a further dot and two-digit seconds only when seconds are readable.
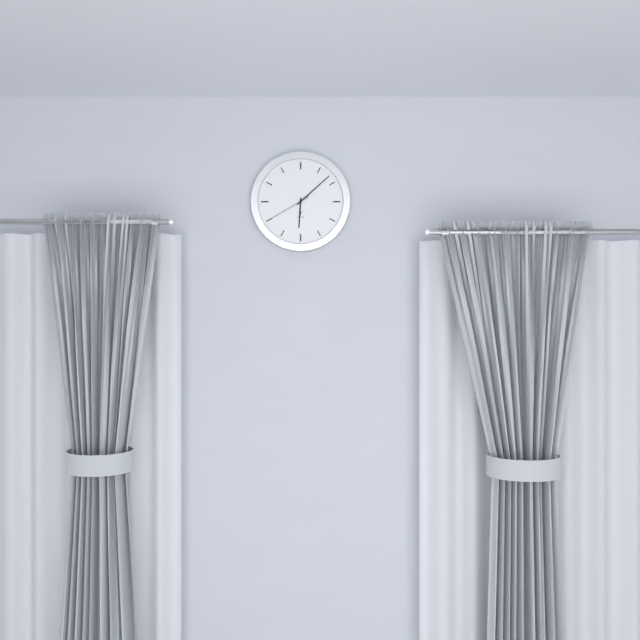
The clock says 6.08
